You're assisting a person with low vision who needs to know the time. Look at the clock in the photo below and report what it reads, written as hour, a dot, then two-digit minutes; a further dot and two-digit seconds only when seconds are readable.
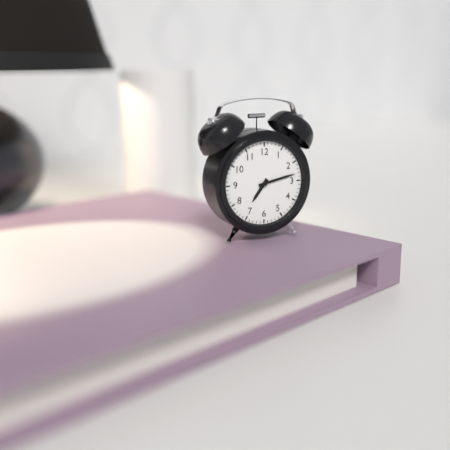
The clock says 7.13
